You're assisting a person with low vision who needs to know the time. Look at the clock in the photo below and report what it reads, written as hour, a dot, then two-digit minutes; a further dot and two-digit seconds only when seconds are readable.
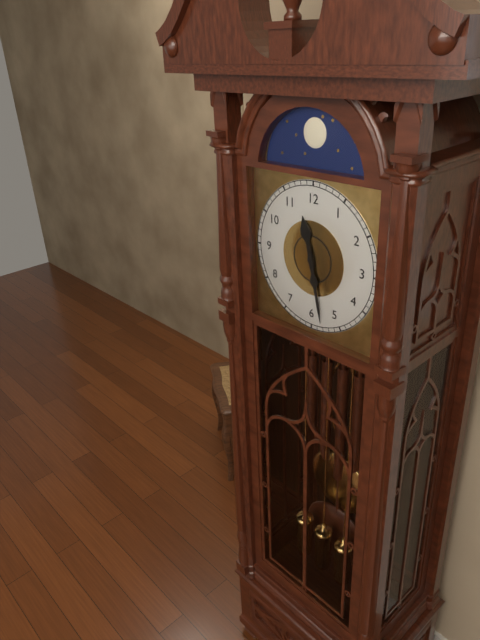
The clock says 11.28
